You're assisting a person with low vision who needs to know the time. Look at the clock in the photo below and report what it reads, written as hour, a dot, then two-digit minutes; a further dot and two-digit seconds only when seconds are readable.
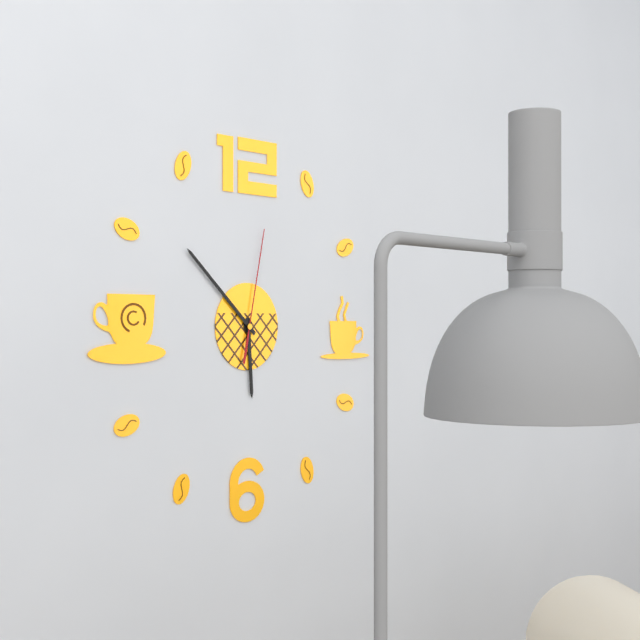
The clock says 5.52.02
